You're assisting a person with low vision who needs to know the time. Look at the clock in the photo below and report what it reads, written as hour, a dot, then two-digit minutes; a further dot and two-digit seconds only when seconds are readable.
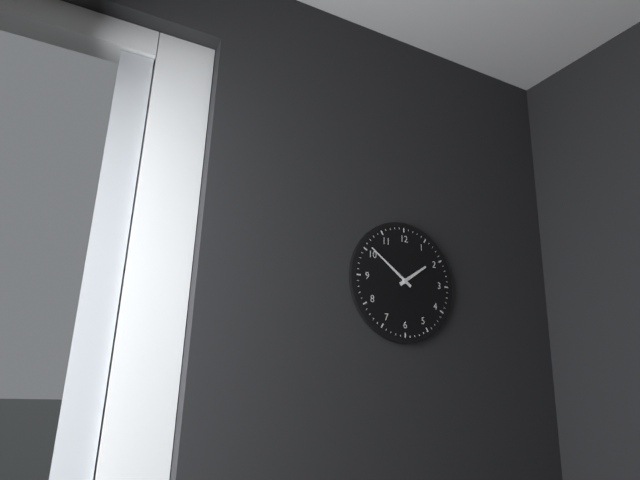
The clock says 1.51
